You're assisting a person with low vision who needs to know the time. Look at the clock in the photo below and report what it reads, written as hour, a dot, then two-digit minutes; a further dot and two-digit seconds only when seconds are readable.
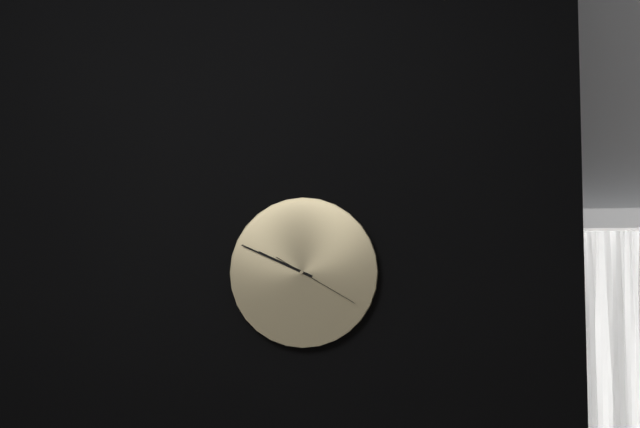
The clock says 9.49.20
